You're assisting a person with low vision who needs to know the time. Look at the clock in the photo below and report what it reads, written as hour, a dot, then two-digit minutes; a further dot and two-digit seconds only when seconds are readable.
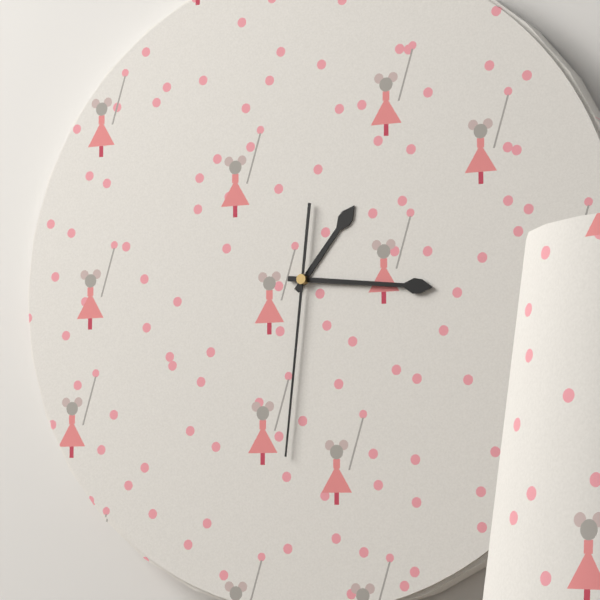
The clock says 1.16.31
